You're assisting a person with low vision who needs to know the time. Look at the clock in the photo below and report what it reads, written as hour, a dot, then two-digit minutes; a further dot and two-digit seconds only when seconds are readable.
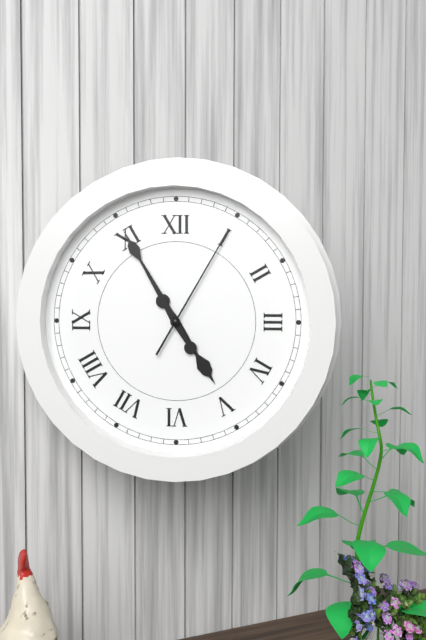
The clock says 4.55.05
